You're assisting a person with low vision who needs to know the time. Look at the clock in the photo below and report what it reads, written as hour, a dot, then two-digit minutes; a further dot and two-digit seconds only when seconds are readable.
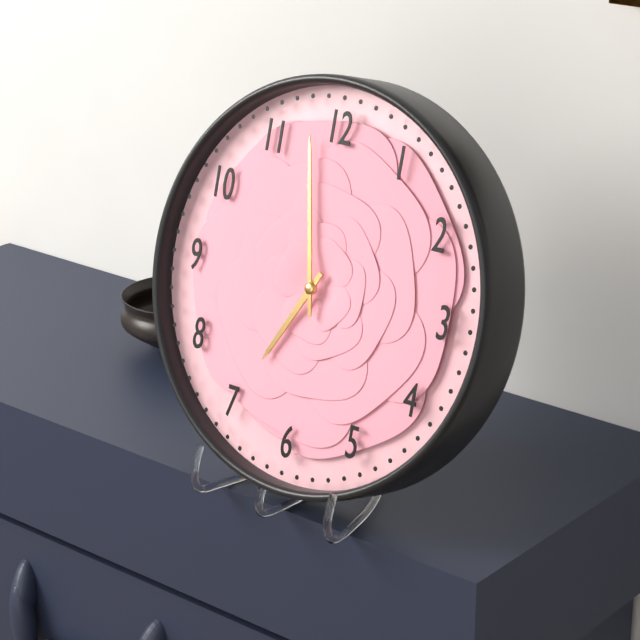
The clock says 6.58
